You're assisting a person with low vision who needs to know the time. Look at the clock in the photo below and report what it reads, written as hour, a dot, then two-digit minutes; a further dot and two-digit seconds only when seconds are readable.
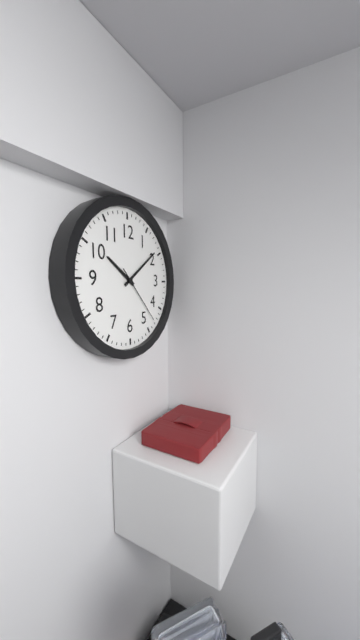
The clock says 10.09.23
